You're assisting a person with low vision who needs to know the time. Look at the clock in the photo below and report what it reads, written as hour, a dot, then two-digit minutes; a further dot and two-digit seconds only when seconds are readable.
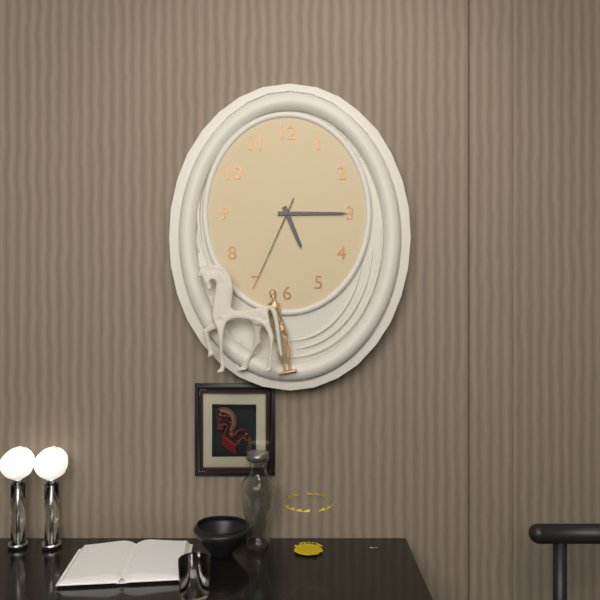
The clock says 5.15.34
